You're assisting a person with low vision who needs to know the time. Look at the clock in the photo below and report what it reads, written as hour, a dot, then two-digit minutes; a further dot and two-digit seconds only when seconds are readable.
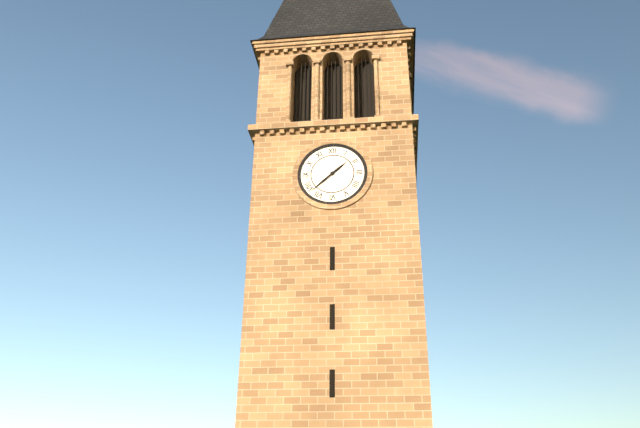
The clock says 1.38
